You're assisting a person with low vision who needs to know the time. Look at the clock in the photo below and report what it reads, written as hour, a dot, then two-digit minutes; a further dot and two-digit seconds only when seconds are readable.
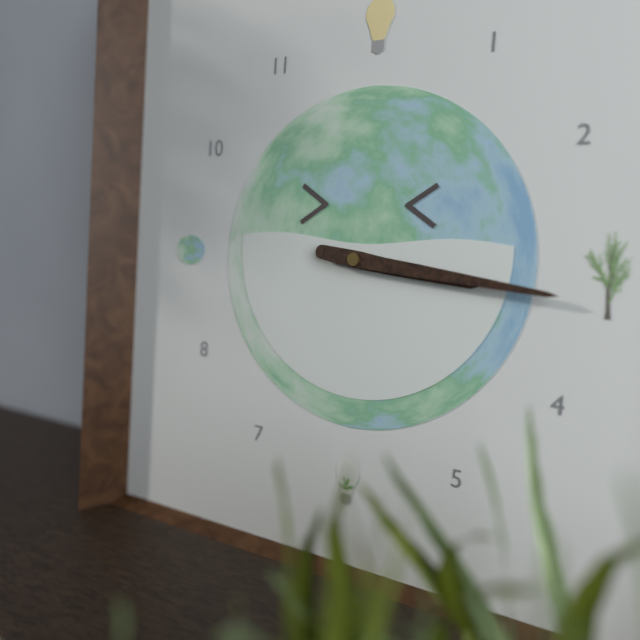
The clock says 3.16
